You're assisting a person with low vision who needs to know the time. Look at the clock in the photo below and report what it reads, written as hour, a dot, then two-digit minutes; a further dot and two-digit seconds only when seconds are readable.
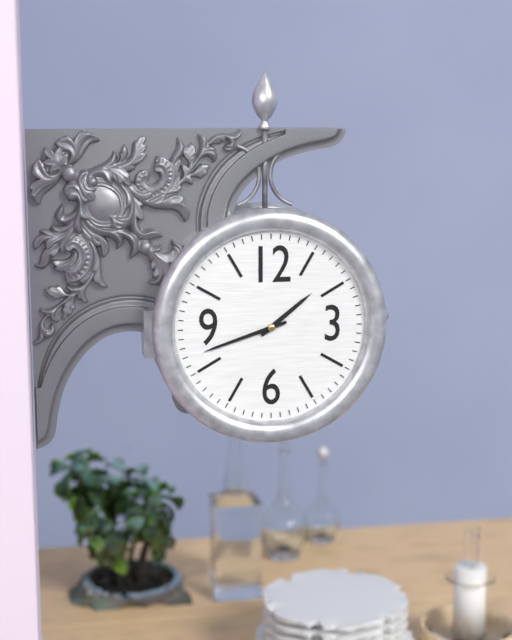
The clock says 1.42
